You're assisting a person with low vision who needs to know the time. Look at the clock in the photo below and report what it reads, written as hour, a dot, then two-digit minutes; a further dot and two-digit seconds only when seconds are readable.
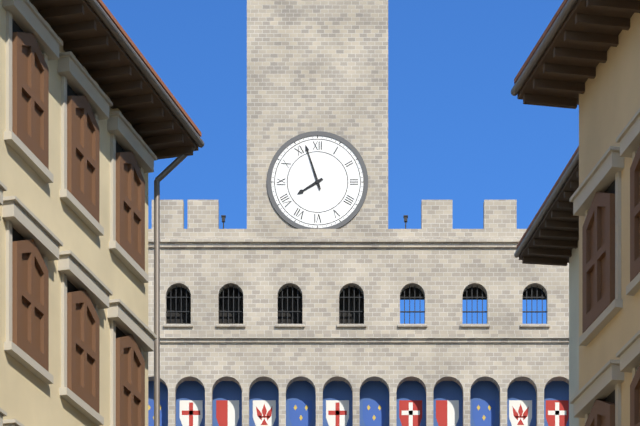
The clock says 7.57
